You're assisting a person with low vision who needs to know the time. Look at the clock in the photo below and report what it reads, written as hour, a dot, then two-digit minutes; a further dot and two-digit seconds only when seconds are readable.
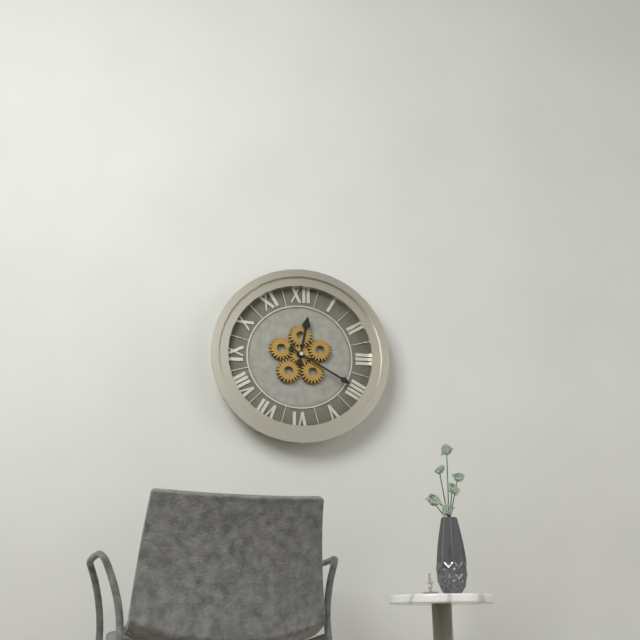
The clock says 12.20
